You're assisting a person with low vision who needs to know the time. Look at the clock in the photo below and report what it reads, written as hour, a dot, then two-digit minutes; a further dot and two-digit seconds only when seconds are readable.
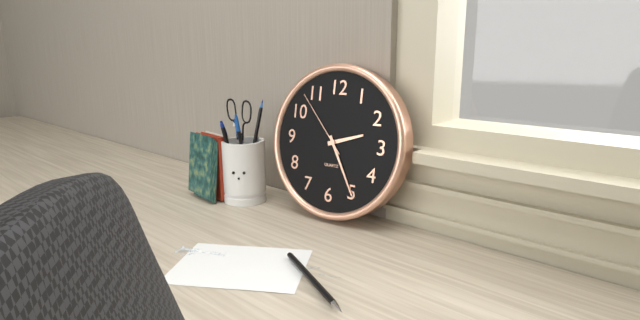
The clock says 2.25.53
